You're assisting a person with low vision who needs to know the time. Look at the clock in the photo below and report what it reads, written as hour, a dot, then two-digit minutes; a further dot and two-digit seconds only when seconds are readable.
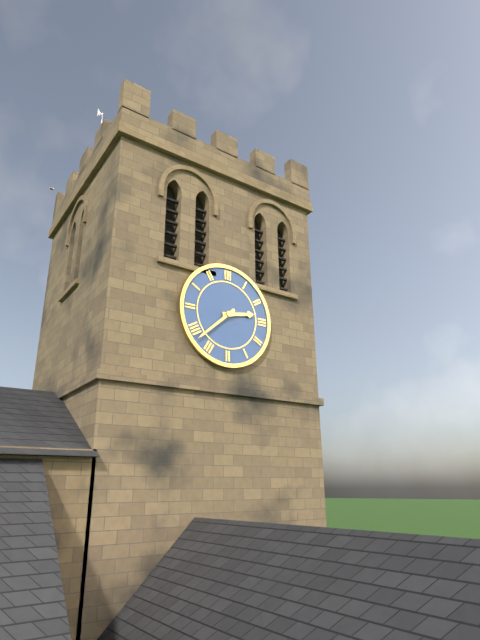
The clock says 2.38
